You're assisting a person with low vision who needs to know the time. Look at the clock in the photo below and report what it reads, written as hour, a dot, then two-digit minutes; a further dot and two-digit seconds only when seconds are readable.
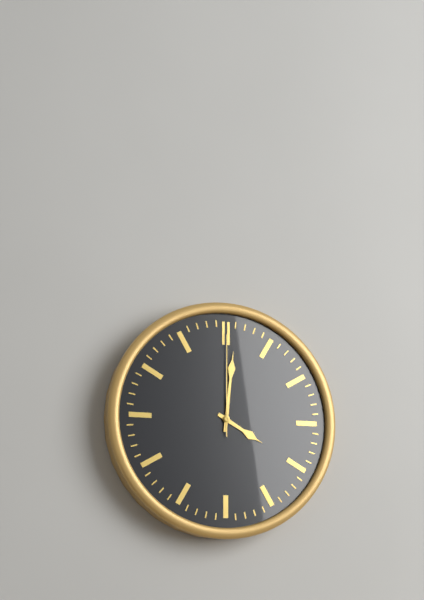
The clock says 4.01.00
